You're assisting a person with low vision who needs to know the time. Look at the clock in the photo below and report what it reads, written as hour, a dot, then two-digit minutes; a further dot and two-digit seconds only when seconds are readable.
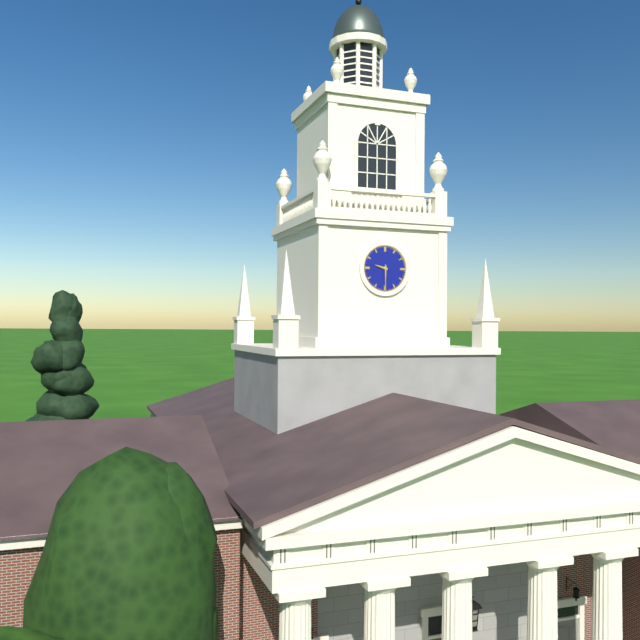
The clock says 9.30
